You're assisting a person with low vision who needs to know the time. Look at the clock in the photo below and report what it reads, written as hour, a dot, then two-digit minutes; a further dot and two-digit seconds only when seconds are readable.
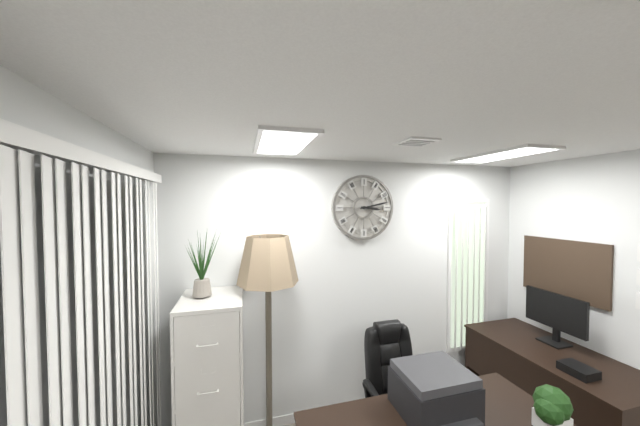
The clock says 3.13
